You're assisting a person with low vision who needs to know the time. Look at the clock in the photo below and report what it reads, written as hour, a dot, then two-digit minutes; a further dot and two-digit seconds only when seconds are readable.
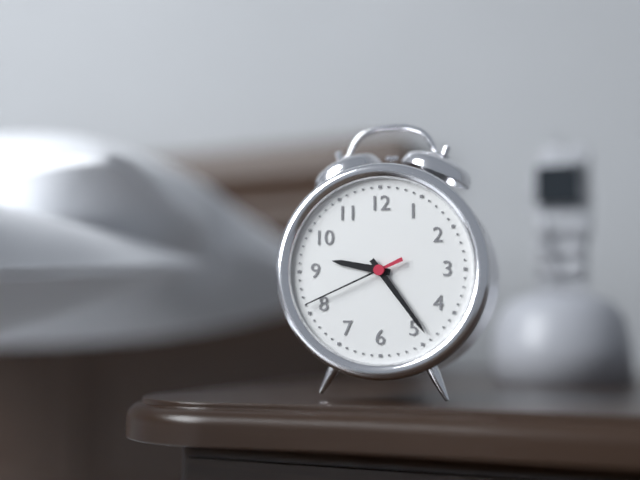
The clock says 9.24.41
